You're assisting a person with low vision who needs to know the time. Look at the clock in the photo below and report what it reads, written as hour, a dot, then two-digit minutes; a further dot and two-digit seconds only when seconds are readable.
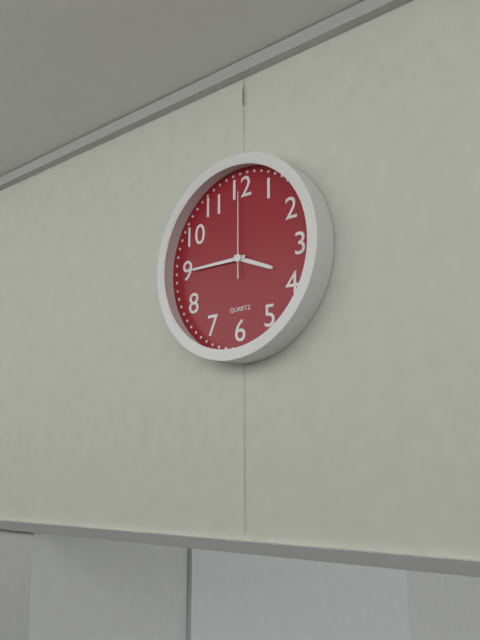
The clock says 3.45.00
